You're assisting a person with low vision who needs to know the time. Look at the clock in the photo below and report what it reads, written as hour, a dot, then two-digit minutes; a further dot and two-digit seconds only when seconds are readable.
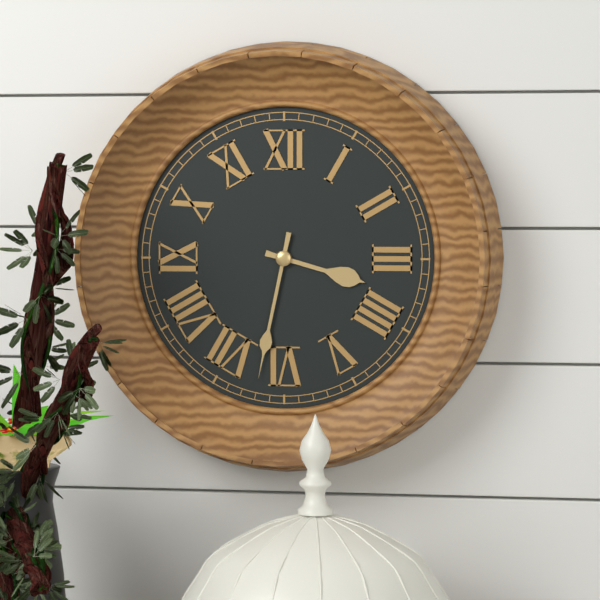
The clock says 3.32
